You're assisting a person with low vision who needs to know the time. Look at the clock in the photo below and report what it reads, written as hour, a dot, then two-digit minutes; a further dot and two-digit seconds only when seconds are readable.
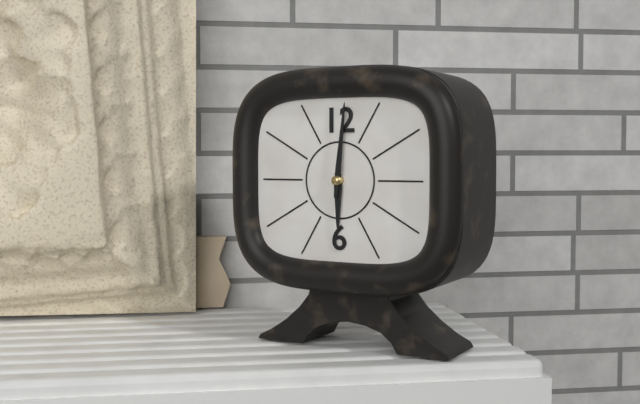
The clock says 6.01
